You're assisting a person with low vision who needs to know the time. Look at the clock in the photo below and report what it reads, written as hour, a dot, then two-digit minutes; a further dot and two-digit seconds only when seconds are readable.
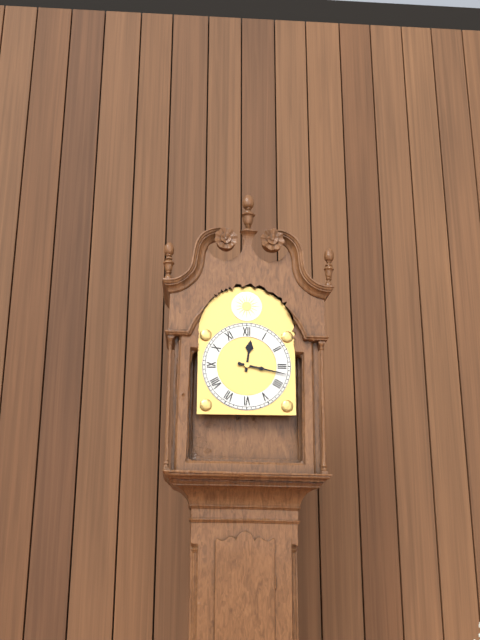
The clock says 12.17
